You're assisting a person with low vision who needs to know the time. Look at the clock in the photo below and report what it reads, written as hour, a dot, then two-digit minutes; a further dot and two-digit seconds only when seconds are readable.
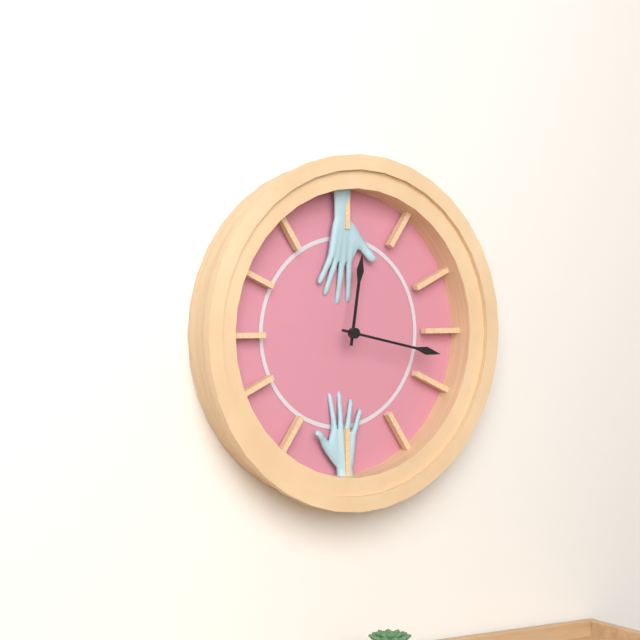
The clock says 12.17
